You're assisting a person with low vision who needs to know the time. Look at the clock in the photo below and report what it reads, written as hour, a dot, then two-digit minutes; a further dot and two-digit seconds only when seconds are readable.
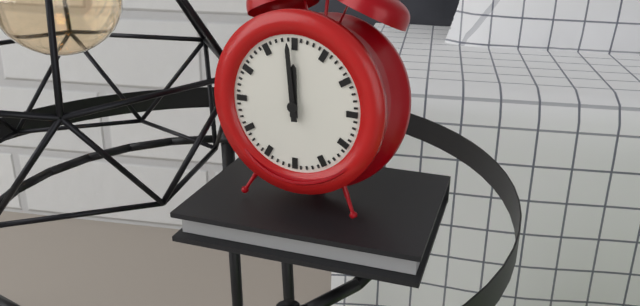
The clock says 11.59
